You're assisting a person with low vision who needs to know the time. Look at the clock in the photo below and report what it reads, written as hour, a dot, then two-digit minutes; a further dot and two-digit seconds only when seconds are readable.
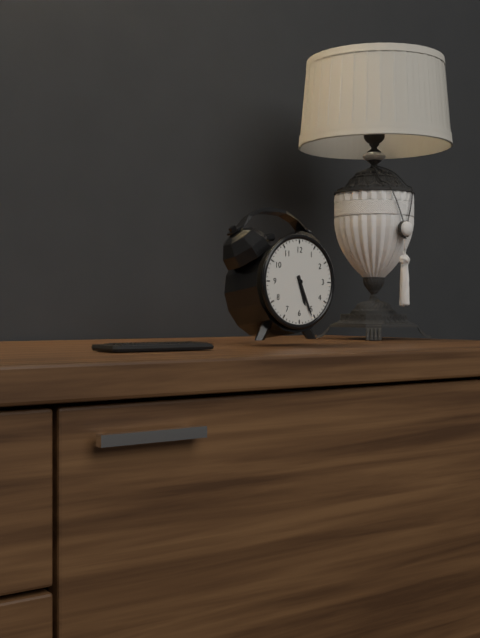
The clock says 5.26
